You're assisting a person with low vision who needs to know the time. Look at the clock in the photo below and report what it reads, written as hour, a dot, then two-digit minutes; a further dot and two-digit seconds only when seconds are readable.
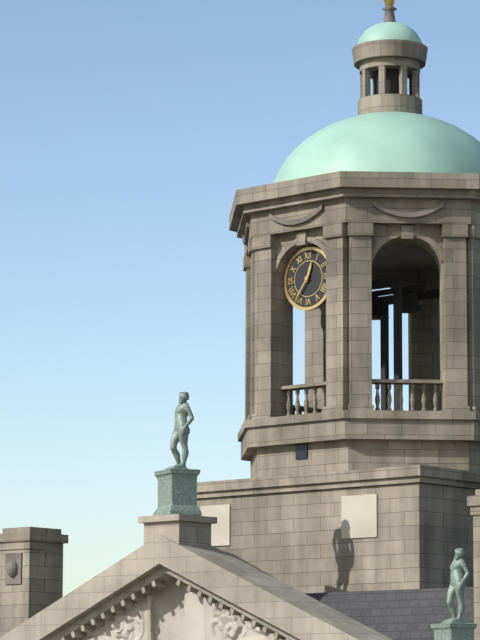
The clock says 12.36
